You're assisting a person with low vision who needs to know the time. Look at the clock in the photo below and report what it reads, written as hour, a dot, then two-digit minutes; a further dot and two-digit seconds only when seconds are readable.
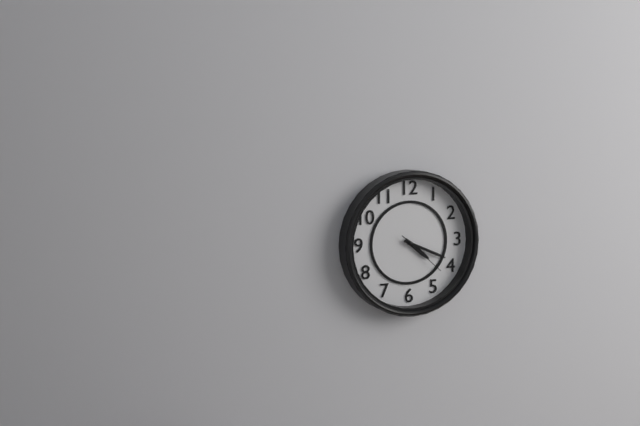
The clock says 4.19.22
